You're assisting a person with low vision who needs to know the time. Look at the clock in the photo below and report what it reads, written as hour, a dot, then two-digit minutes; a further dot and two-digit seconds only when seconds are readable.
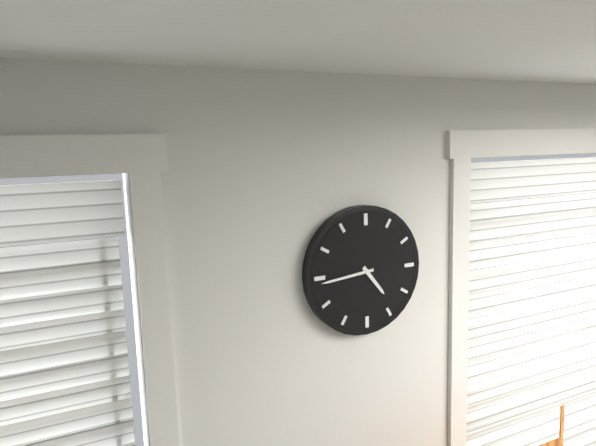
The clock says 4.44
